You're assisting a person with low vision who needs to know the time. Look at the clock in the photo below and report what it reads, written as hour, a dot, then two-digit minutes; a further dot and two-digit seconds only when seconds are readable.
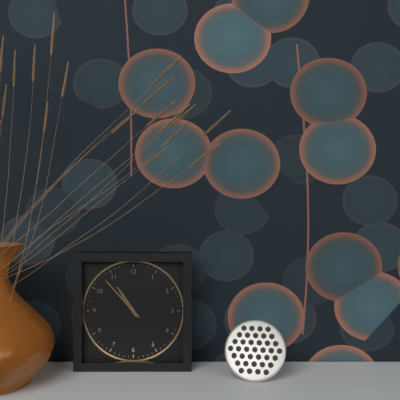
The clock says 10.53
